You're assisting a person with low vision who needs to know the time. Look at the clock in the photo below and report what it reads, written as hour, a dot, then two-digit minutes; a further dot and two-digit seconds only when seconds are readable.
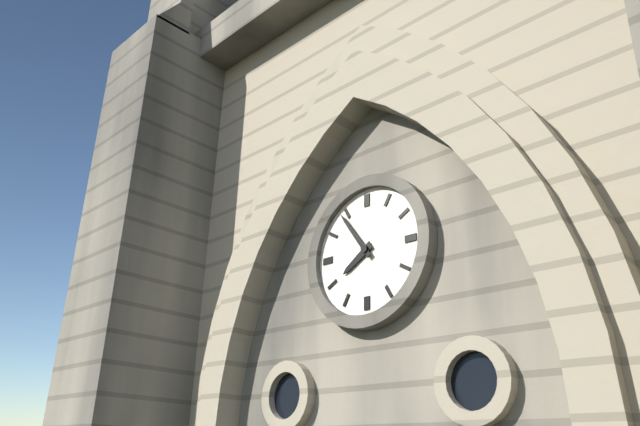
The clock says 7.54
